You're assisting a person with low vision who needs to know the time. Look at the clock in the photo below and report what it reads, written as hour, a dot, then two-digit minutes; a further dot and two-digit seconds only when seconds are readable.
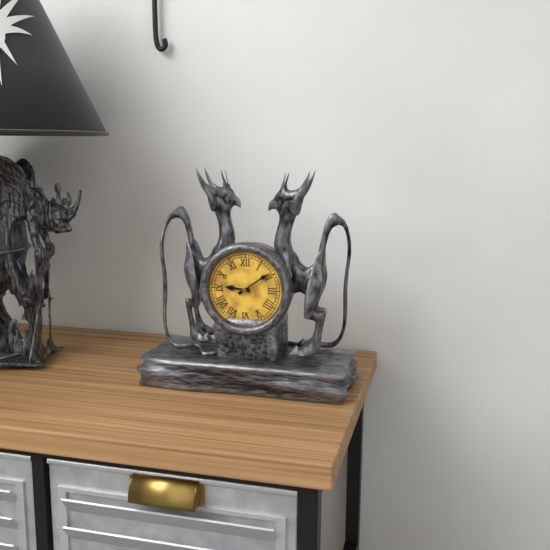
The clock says 9.09
